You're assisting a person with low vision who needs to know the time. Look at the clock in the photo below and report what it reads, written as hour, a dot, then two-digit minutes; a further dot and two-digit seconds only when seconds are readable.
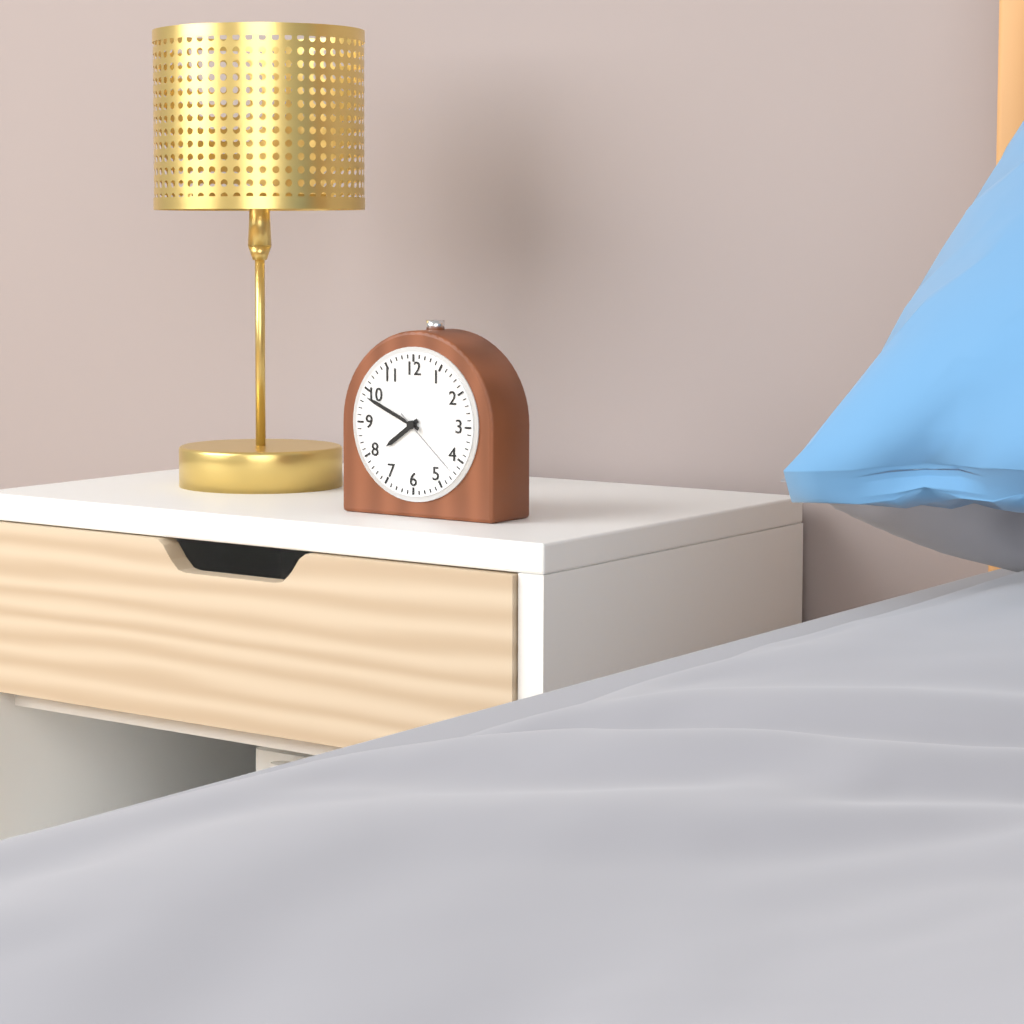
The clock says 7.49.22
